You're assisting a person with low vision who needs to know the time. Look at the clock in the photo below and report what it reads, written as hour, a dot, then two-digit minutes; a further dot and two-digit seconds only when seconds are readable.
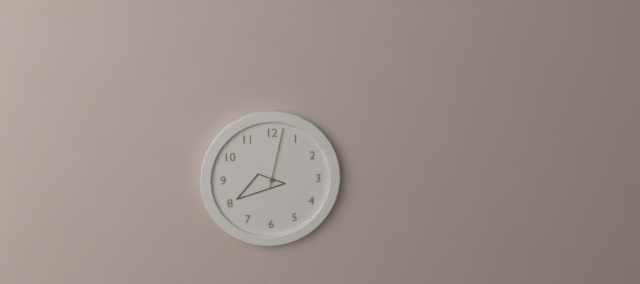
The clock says 8.02
